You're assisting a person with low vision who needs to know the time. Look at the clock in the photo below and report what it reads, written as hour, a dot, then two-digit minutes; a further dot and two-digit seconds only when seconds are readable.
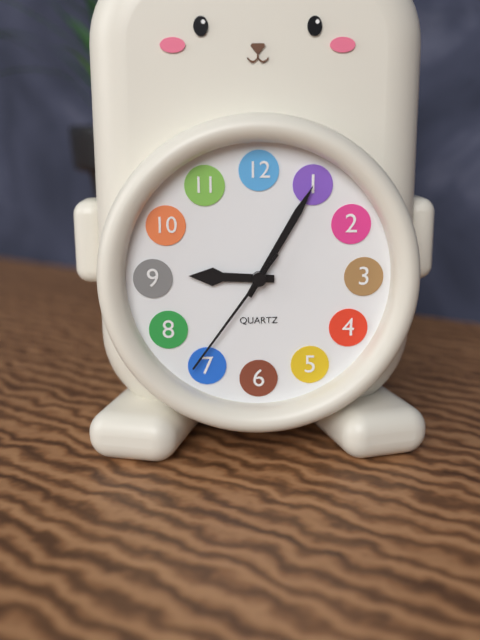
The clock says 9.05.36
